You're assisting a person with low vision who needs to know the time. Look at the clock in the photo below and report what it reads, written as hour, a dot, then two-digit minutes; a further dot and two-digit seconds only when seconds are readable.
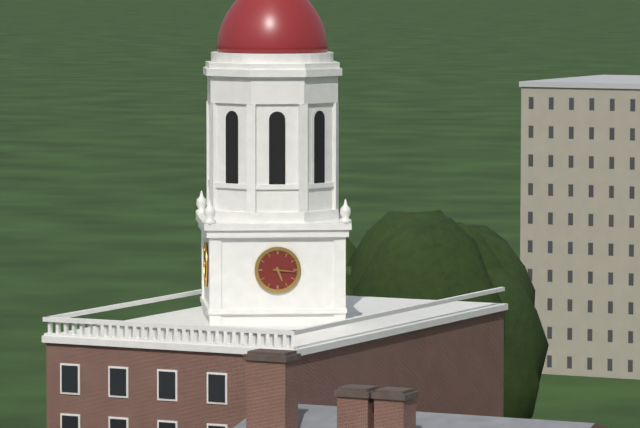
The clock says 5.16
